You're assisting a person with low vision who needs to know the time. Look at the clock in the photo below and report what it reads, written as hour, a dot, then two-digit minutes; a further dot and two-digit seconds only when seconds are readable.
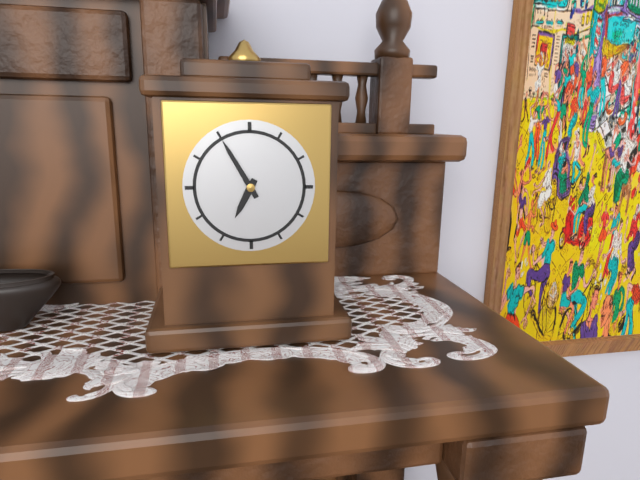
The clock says 6.55
